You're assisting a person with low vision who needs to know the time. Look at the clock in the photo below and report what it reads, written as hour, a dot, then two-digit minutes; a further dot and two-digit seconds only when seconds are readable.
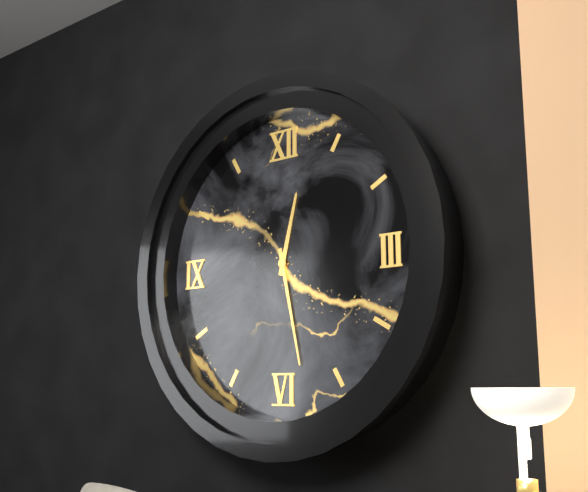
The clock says 12.28
